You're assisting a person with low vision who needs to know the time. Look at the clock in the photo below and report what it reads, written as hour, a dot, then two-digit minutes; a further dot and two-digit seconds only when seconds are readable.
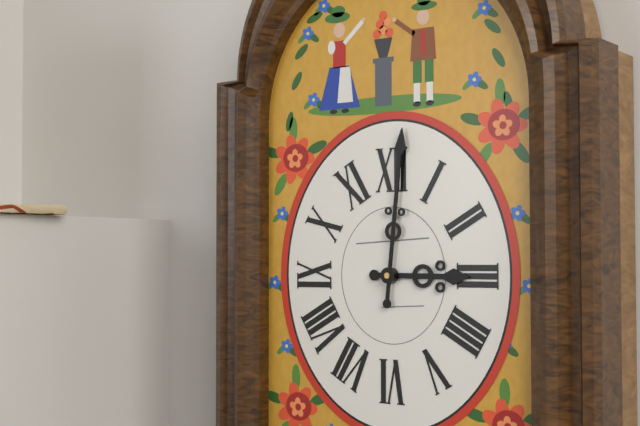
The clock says 3.01
